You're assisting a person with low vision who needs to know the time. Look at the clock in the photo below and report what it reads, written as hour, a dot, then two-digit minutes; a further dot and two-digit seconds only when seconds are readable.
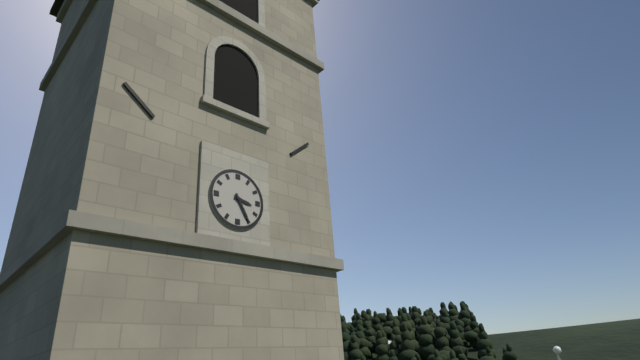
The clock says 3.25
